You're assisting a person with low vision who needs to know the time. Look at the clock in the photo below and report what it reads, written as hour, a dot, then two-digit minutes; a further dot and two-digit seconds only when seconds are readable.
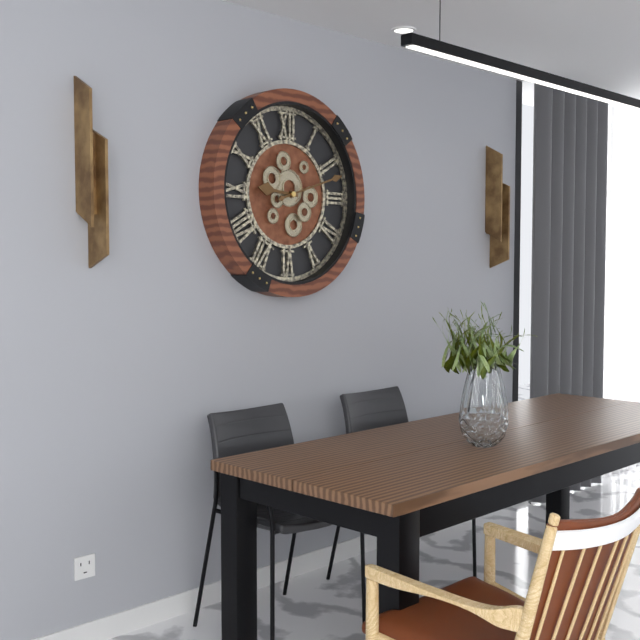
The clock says 9.12
